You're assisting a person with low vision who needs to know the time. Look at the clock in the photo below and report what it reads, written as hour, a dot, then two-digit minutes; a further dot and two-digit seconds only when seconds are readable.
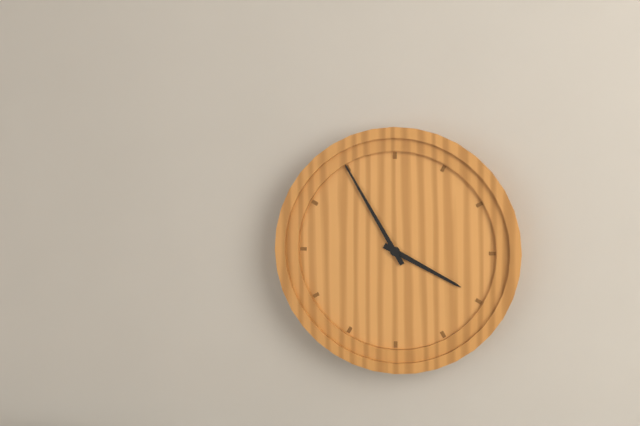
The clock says 3.55
